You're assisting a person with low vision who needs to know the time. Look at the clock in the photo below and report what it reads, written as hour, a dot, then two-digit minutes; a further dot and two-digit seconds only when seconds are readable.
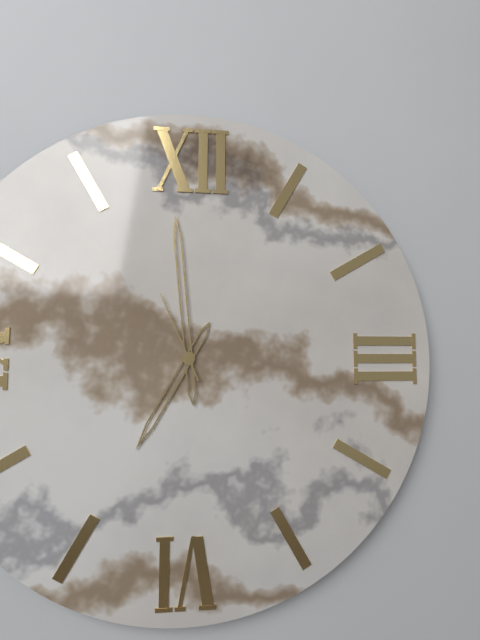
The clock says 6.59.56
